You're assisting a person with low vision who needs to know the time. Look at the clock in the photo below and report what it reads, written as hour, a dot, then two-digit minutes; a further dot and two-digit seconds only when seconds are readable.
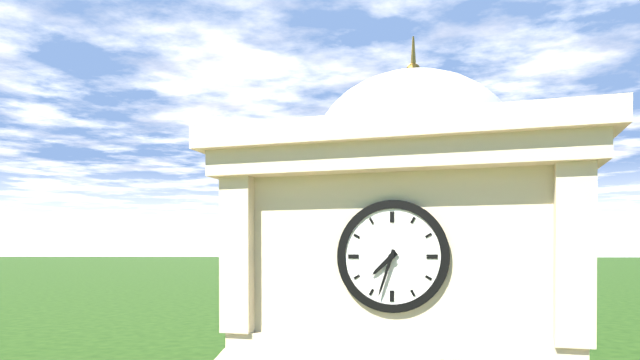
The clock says 7.33
